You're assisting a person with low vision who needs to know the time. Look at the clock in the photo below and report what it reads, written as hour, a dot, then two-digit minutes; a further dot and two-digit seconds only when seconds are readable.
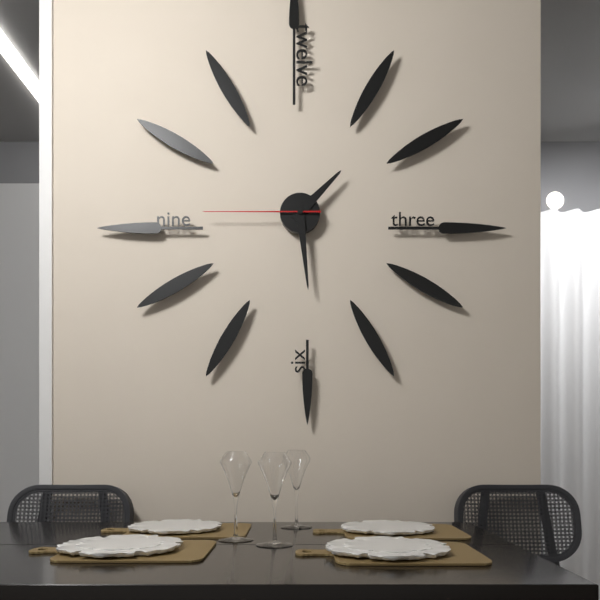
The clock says 1.29.45
